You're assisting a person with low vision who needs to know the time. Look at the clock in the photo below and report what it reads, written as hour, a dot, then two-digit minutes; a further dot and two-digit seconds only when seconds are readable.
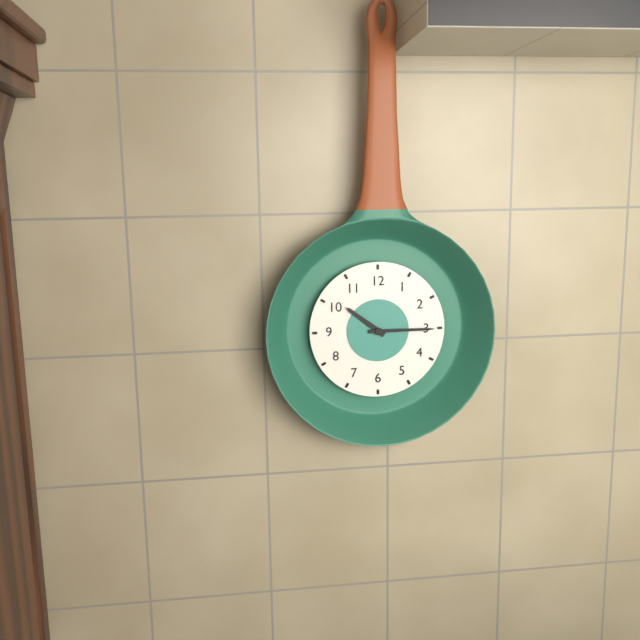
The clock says 10.15
